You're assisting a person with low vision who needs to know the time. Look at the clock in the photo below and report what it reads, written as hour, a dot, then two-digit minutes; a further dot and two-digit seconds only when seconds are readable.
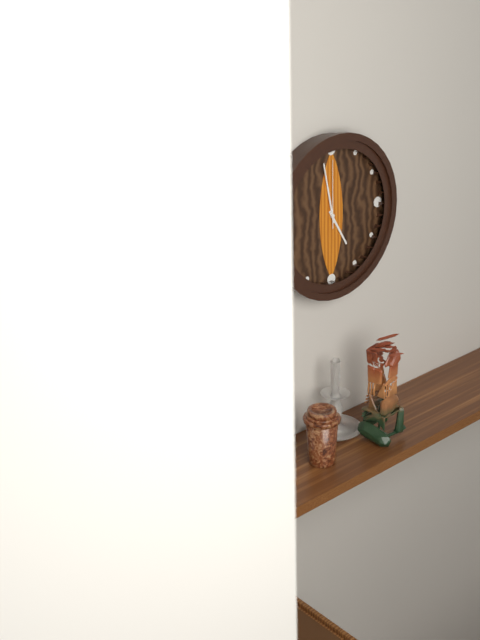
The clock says 4.58.00
